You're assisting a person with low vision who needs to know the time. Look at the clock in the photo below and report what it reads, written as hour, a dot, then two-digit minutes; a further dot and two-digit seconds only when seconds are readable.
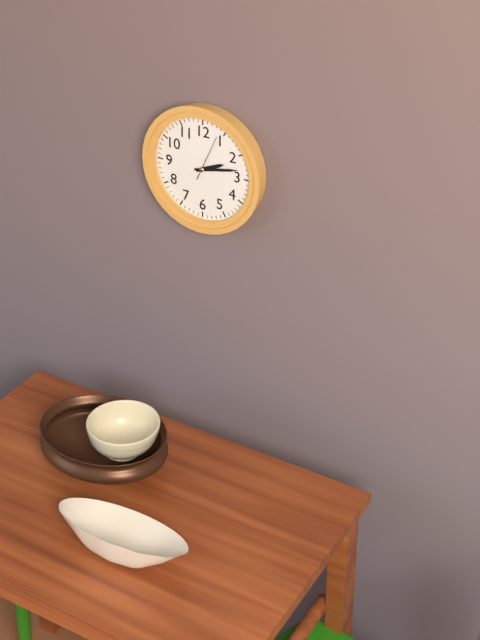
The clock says 2.13
